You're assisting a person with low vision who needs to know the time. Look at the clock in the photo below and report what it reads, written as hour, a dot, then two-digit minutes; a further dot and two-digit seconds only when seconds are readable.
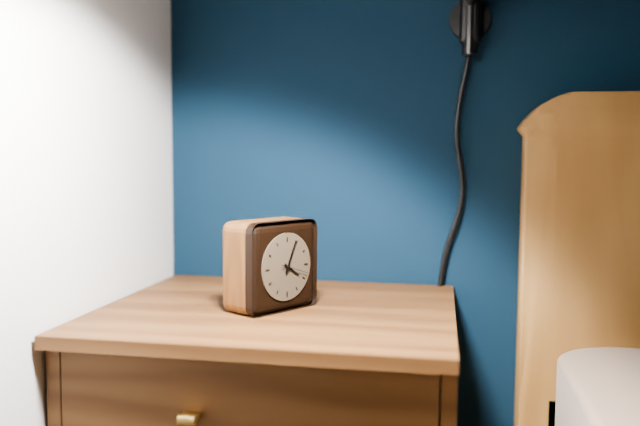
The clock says 4.04
